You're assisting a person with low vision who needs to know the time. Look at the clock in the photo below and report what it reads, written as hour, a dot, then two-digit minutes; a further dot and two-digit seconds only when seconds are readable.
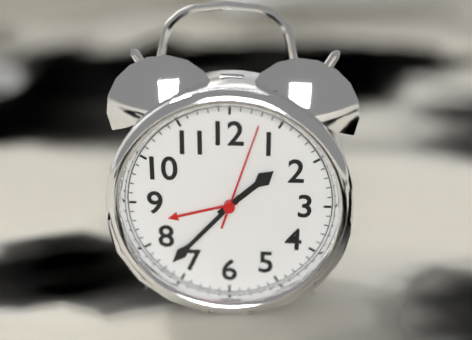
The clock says 1.37.03
